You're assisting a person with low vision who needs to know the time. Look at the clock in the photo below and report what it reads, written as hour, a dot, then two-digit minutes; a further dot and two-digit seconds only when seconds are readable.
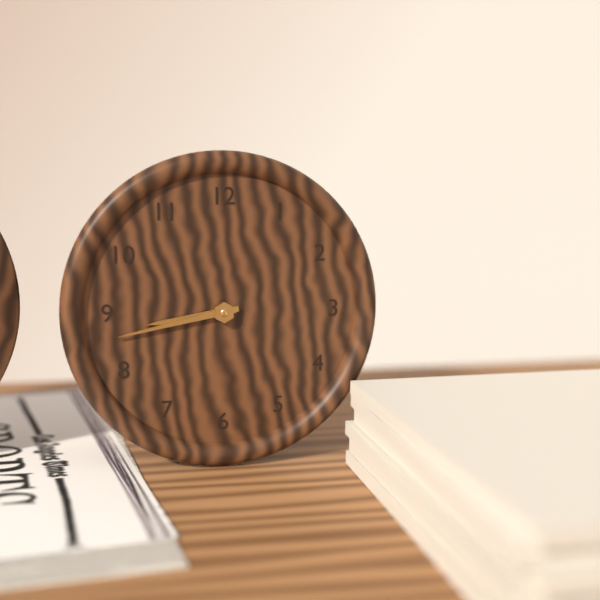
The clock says 8.43
